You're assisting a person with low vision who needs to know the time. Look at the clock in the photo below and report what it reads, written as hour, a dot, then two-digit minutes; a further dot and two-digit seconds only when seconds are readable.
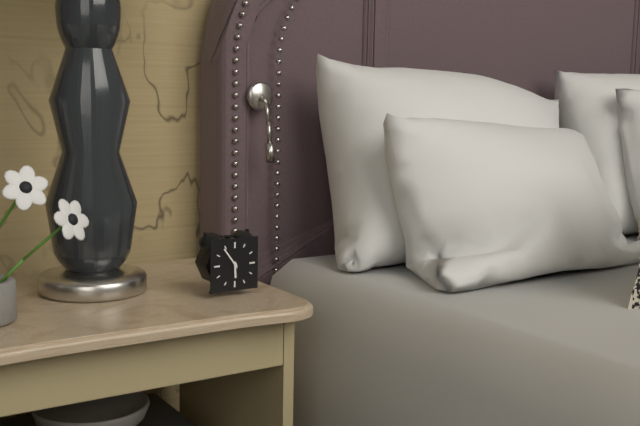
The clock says 5.54
